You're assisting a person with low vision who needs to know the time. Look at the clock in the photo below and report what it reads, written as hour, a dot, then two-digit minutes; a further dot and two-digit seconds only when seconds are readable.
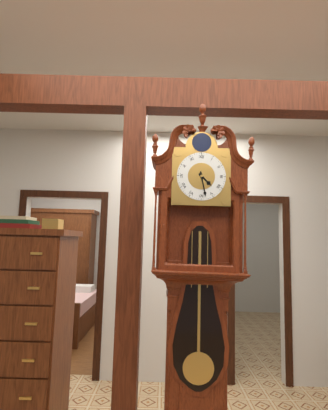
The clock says 4.28
